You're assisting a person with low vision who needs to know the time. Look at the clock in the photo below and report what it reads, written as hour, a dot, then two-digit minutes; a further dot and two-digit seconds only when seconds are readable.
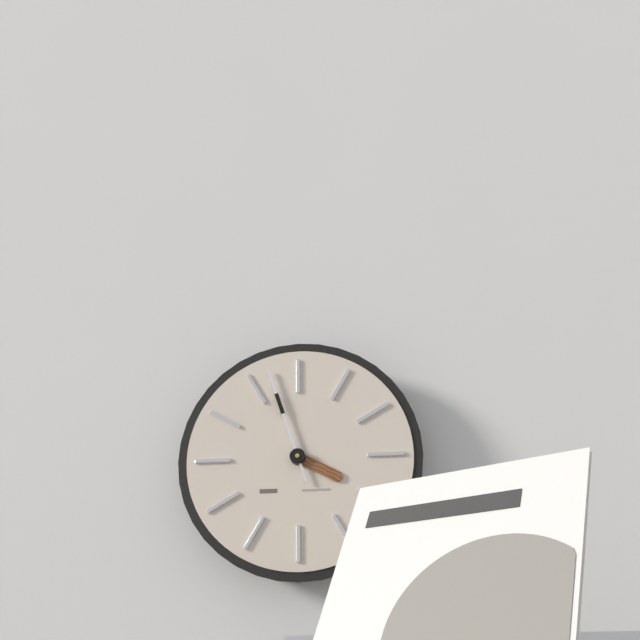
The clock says 3.57
